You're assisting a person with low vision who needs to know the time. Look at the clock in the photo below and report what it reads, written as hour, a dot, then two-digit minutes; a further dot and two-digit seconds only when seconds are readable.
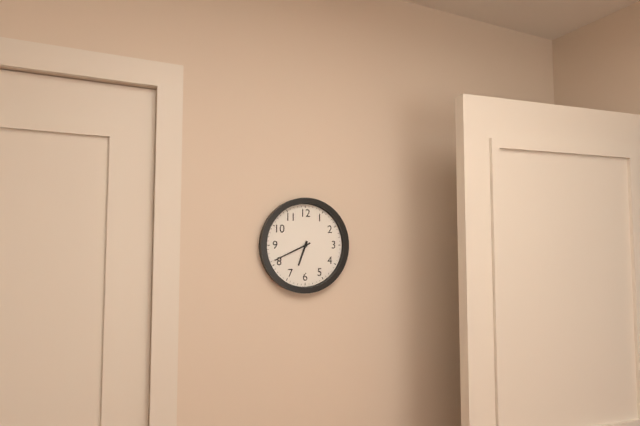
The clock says 6.41
